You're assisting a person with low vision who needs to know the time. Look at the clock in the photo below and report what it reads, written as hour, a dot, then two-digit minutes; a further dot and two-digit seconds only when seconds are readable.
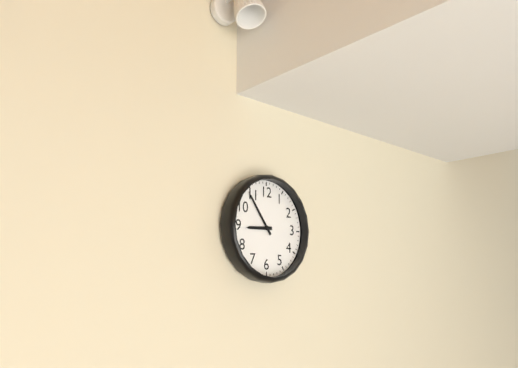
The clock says 8.54
